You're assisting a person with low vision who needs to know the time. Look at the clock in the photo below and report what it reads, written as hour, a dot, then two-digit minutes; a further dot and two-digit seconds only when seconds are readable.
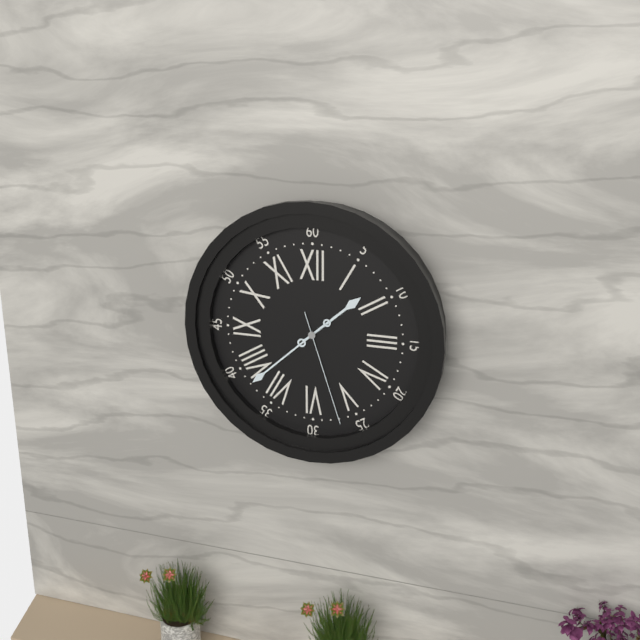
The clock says 1.38.27
